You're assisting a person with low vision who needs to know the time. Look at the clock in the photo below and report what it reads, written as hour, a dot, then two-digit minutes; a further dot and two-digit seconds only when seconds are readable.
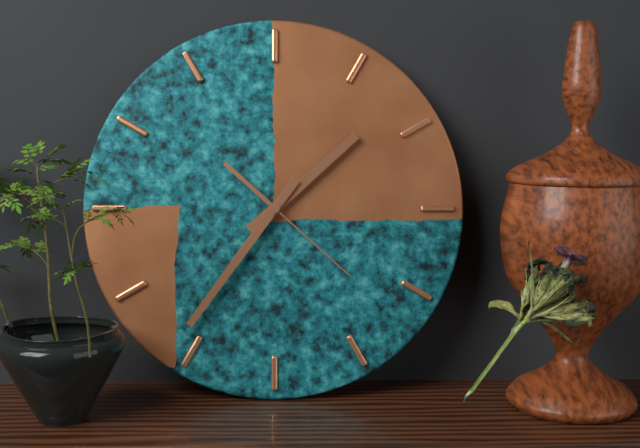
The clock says 1.36.22
